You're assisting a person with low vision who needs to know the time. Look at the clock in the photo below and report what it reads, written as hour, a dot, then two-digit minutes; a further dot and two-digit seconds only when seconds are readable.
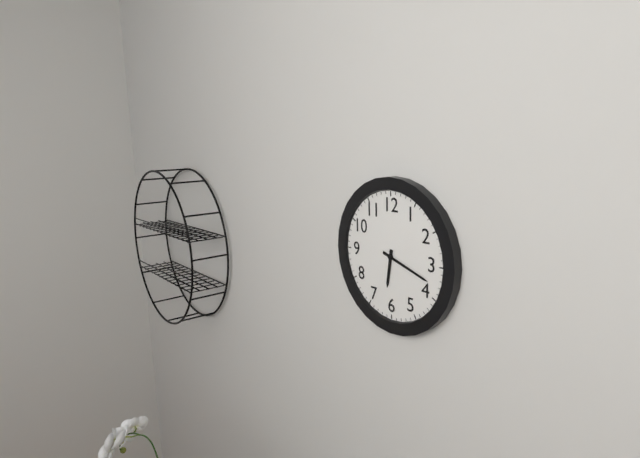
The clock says 6.18
